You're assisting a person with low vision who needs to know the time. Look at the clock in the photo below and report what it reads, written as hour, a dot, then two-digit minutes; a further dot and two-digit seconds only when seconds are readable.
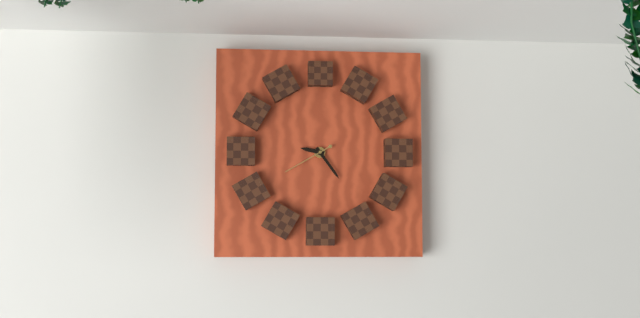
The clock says 9.24.40
